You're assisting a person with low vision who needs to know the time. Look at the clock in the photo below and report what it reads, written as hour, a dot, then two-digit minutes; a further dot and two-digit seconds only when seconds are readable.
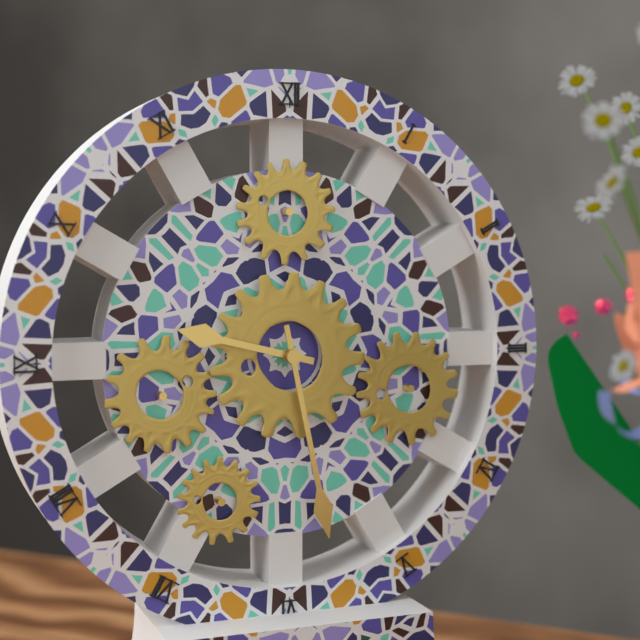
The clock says 9.28
